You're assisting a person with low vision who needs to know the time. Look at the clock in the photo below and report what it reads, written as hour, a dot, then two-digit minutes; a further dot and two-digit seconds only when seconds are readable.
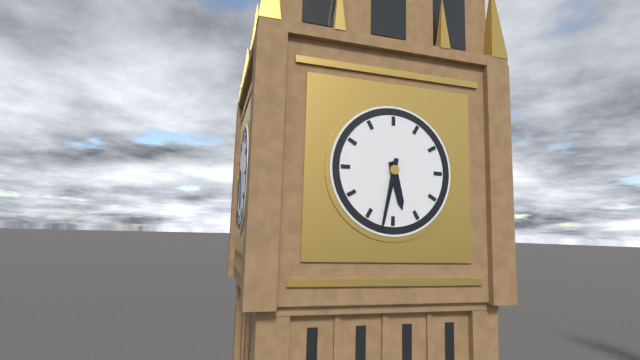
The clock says 5.32
